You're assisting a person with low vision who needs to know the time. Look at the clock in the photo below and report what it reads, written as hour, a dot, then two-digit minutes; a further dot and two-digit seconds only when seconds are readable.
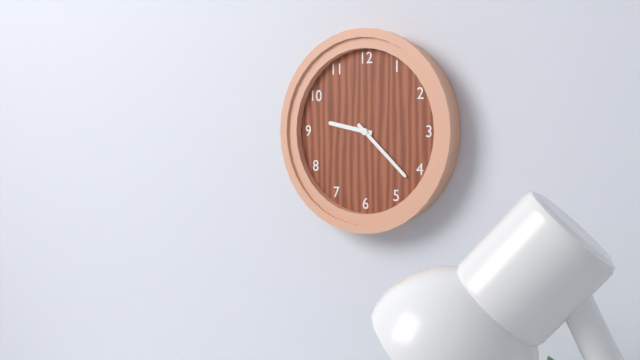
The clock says 9.22
